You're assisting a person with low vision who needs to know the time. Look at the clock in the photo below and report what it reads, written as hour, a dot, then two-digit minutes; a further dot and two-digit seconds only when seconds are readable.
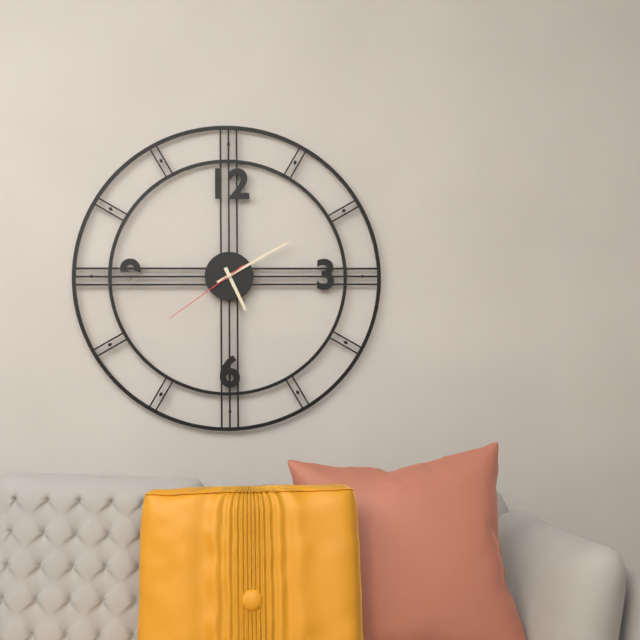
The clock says 5.10.39
